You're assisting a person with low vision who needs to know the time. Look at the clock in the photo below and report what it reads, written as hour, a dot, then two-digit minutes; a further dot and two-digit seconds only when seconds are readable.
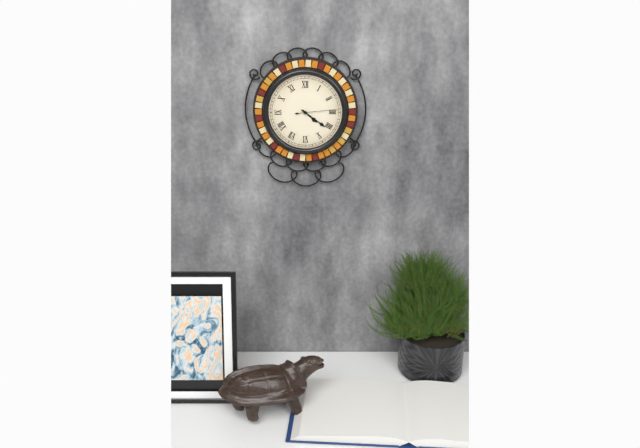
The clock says 4.21
